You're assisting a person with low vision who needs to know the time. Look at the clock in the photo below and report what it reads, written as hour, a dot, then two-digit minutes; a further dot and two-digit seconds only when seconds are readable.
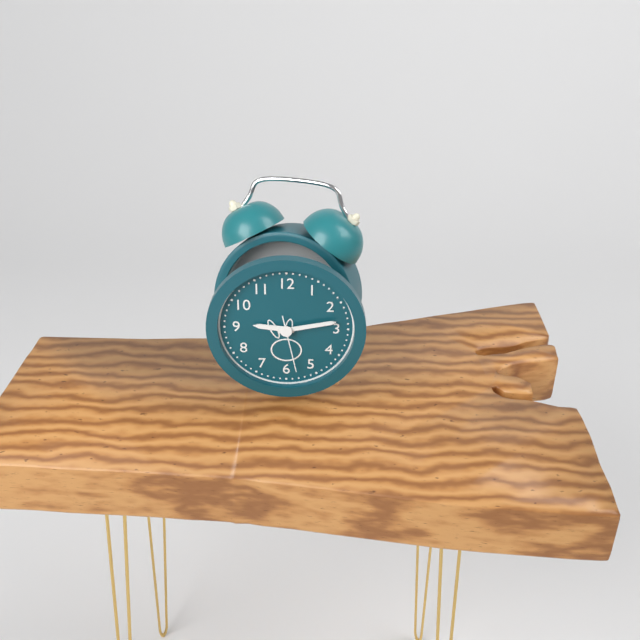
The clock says 9.13.28
